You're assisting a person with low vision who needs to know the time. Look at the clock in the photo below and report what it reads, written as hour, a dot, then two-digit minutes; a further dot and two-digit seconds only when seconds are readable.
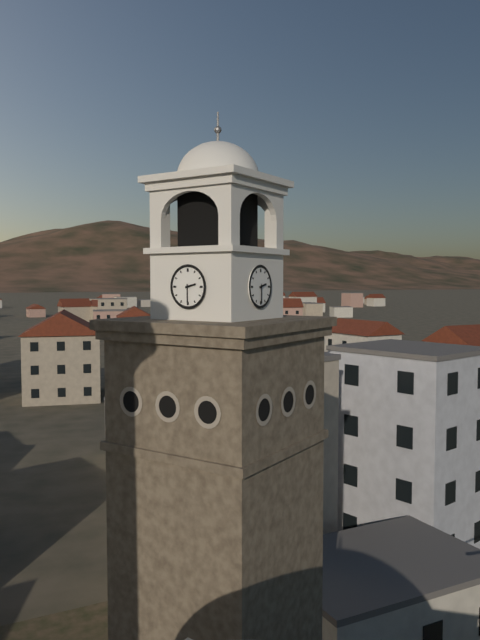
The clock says 2.30
